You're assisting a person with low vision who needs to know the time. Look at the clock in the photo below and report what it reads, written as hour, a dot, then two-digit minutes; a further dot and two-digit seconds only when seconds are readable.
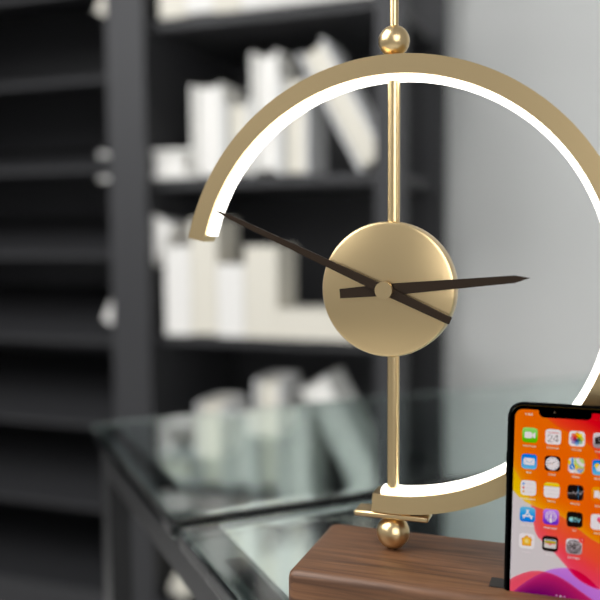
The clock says 2.49
